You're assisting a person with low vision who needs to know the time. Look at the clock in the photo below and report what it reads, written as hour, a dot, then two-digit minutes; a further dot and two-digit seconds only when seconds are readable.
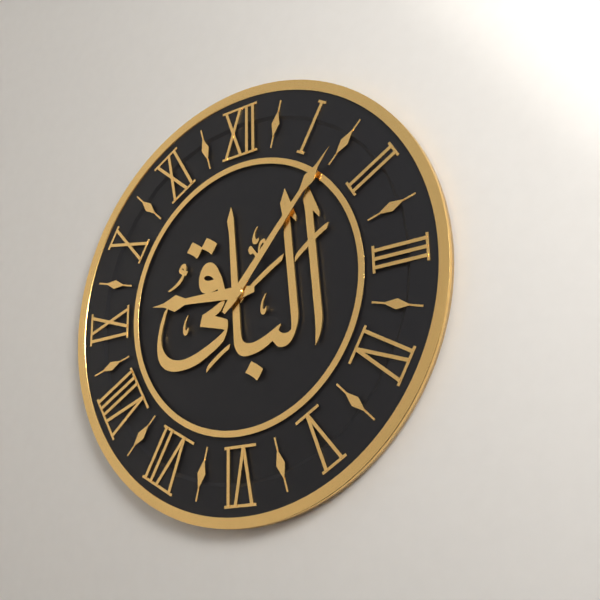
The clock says 9.07
